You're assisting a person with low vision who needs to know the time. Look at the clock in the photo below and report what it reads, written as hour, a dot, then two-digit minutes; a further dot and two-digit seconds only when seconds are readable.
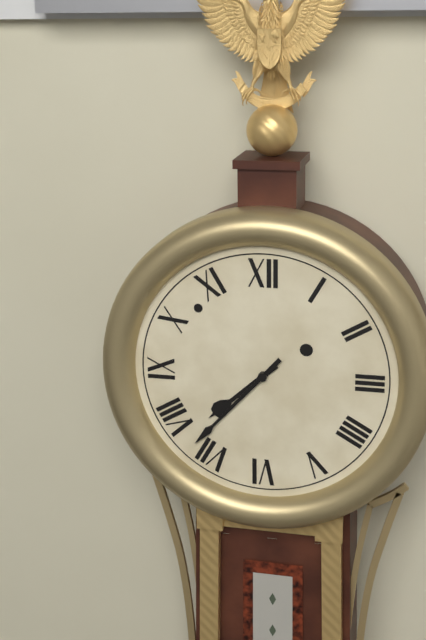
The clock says 7.37
